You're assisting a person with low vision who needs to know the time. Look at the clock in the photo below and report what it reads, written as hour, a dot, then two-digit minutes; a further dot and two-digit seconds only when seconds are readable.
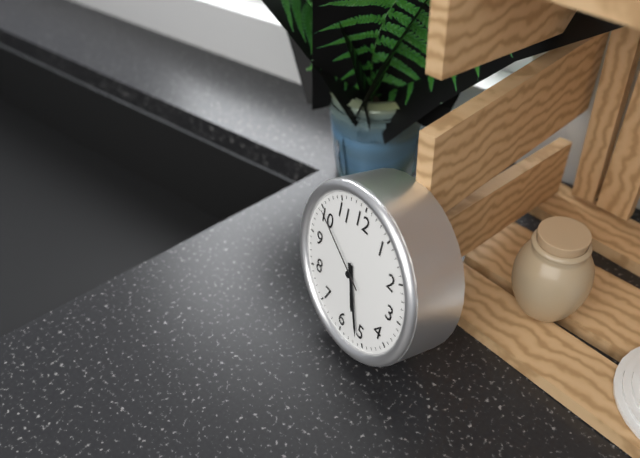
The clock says 5.26.50
